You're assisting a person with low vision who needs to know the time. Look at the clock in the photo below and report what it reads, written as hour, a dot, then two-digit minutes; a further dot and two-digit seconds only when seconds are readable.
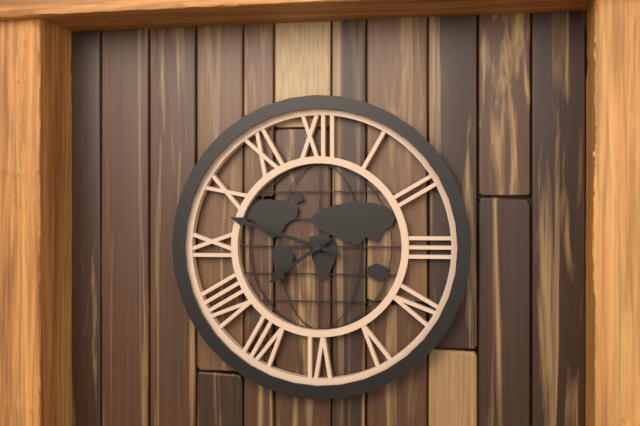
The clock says 7.48
